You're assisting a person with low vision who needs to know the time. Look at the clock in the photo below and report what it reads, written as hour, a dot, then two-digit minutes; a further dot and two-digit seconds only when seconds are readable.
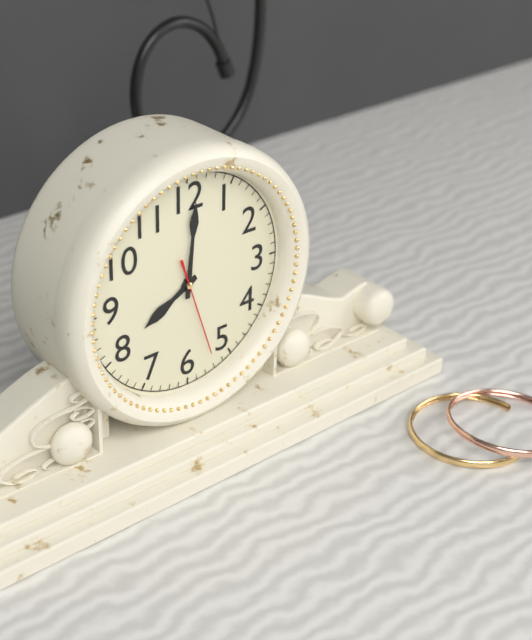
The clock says 8.01.27
